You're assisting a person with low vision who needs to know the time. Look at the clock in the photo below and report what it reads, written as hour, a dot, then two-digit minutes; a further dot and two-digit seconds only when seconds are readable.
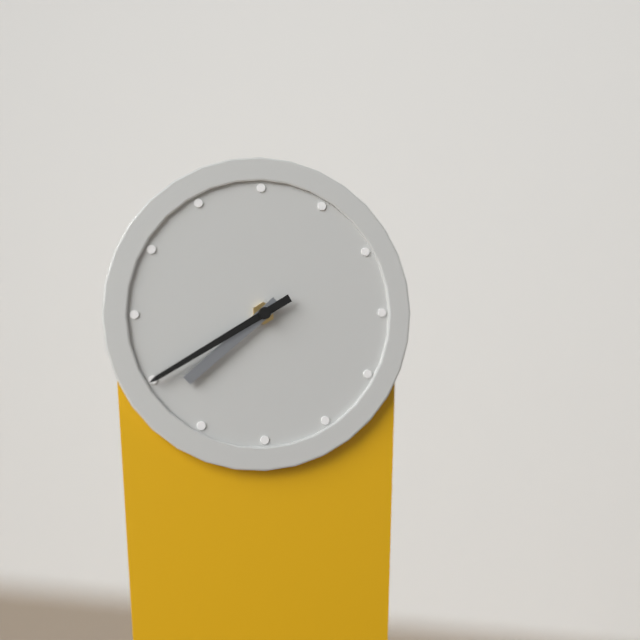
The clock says 7.40
